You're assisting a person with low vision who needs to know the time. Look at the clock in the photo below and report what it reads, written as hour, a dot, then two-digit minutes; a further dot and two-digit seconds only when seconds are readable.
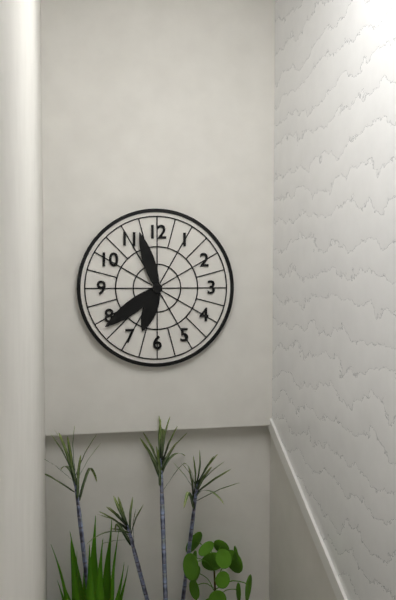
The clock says 6.39.57
